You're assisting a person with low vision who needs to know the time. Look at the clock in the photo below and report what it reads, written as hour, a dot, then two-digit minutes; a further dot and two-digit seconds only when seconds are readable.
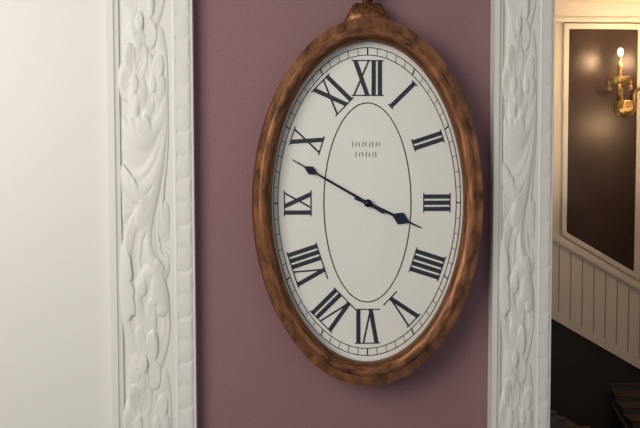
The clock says 3.50
